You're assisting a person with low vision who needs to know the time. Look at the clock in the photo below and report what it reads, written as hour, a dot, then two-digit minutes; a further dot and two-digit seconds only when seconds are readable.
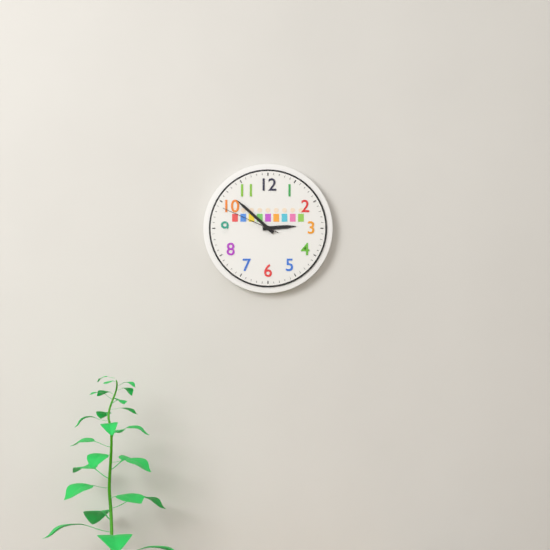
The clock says 2.52.49
